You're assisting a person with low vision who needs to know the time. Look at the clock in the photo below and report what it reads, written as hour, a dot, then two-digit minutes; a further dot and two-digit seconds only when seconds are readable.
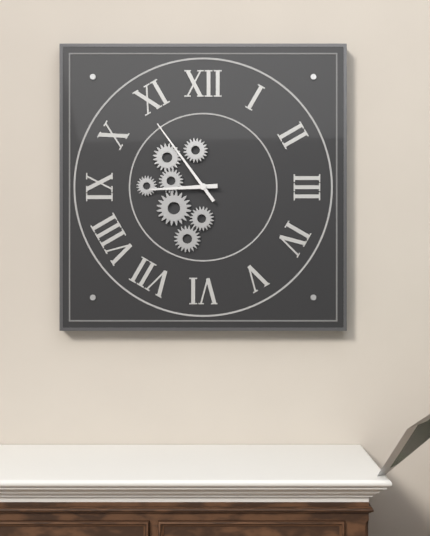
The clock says 8.54
